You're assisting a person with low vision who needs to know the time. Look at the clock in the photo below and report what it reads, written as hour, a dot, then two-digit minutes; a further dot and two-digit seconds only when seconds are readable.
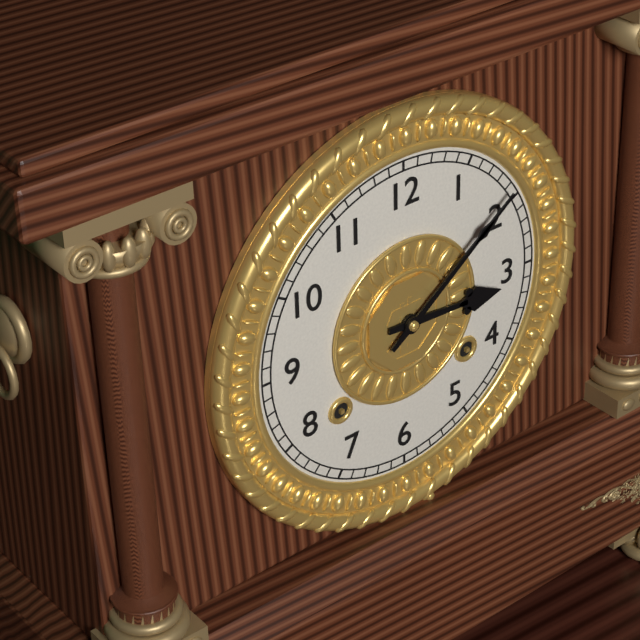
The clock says 3.09
